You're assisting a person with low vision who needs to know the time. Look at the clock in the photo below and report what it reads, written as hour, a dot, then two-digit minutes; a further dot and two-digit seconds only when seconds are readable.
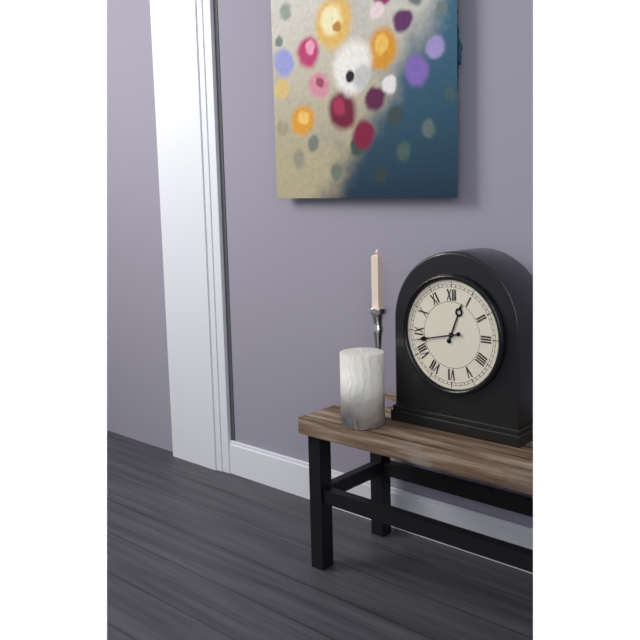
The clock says 12.43
